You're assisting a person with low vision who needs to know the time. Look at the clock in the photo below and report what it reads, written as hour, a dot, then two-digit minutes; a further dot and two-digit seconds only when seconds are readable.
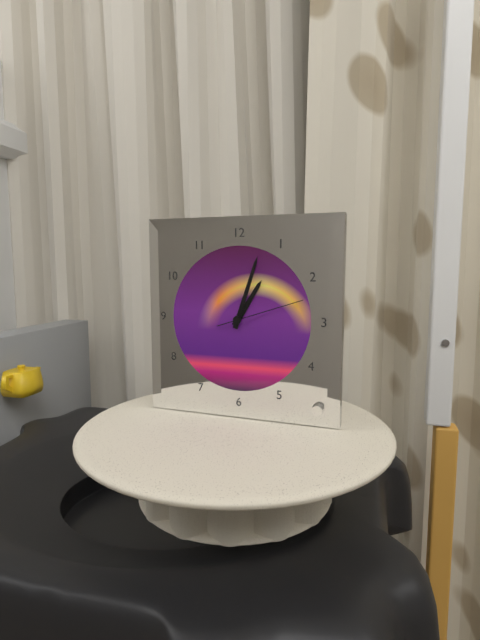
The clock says 1.03.12
